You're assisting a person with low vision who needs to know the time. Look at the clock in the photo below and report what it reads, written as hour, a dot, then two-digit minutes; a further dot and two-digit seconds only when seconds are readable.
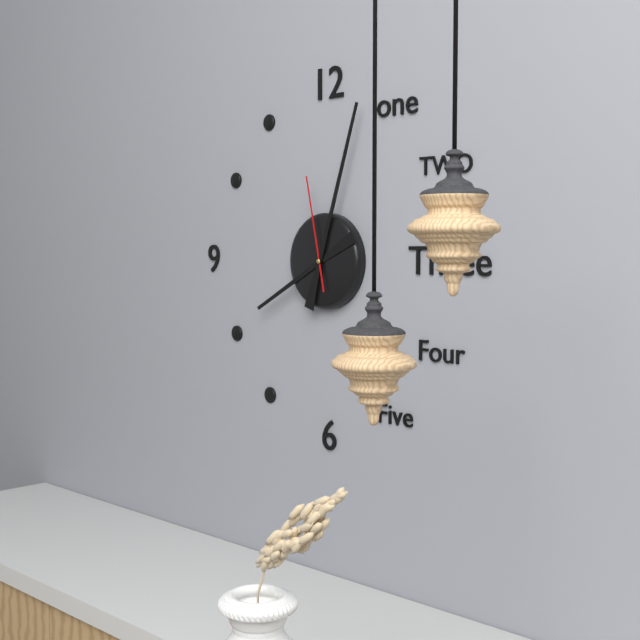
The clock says 8.03.58
